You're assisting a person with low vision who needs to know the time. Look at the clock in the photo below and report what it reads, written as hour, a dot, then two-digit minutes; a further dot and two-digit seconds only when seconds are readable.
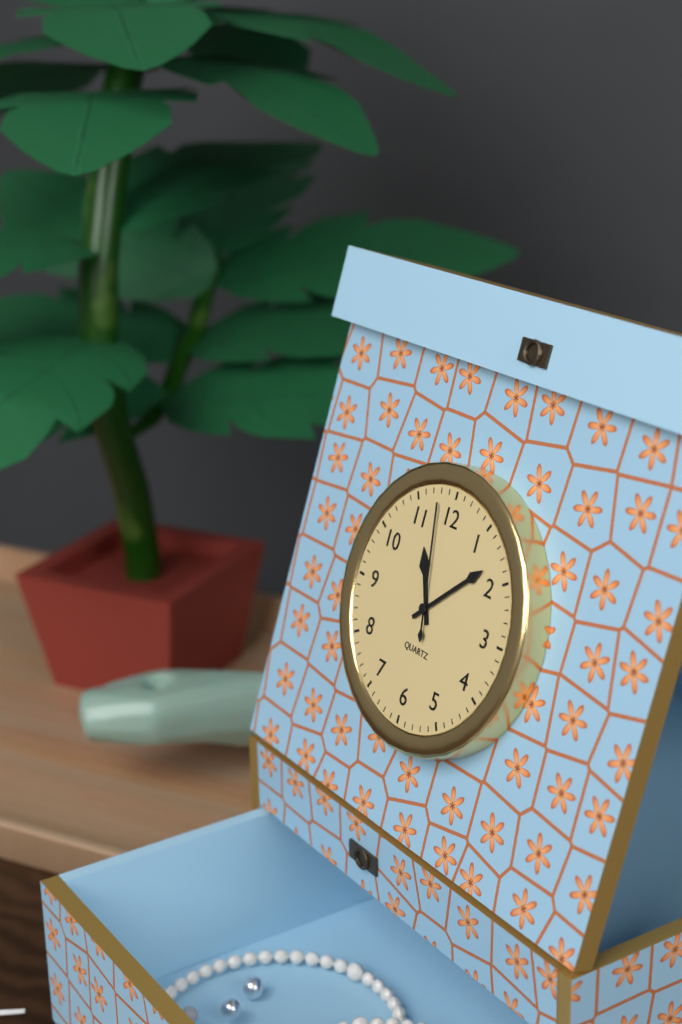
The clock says 11.08.58
